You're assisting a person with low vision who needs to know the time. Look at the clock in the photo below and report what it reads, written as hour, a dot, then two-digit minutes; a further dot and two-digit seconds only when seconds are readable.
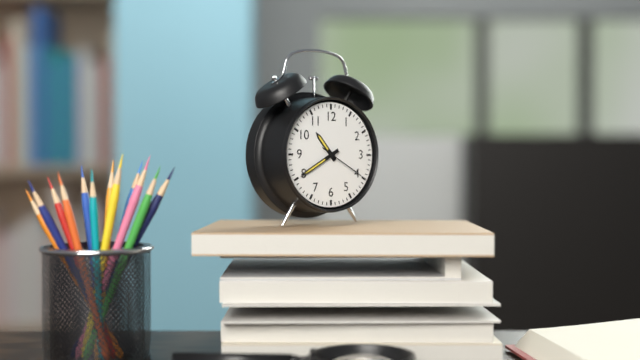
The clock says 10.40
